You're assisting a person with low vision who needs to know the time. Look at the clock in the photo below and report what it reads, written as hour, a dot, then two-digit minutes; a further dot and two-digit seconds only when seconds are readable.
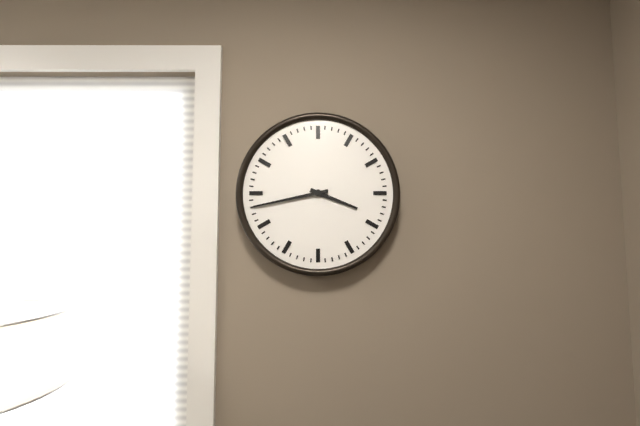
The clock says 3.43
